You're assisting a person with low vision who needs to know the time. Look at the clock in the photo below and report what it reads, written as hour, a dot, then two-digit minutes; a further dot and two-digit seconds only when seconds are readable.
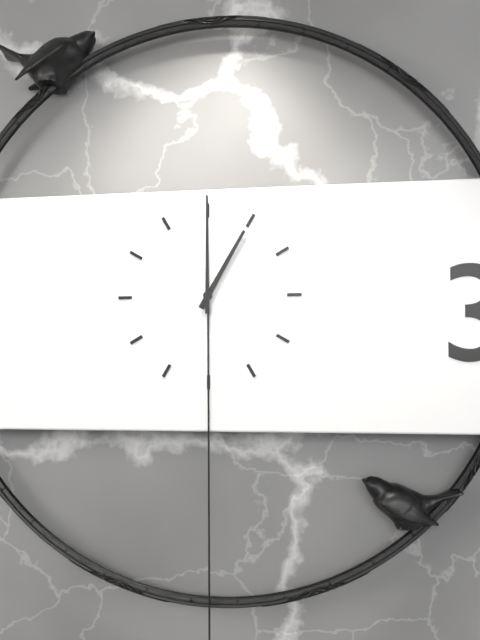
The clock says 1.00
